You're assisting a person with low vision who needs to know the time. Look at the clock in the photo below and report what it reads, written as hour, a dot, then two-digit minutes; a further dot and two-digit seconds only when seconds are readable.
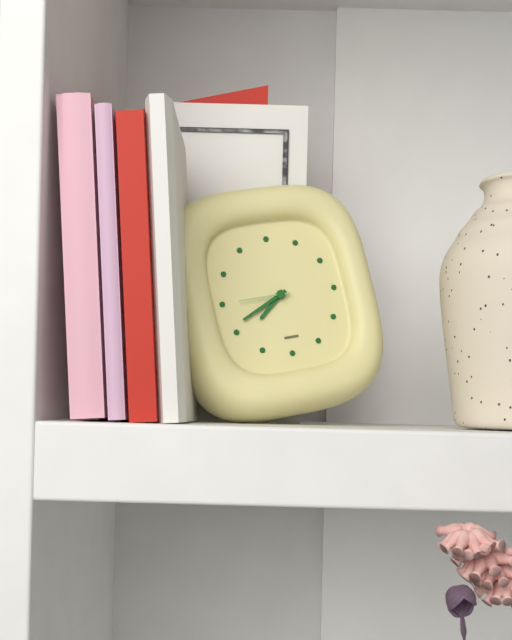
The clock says 7.41.45
